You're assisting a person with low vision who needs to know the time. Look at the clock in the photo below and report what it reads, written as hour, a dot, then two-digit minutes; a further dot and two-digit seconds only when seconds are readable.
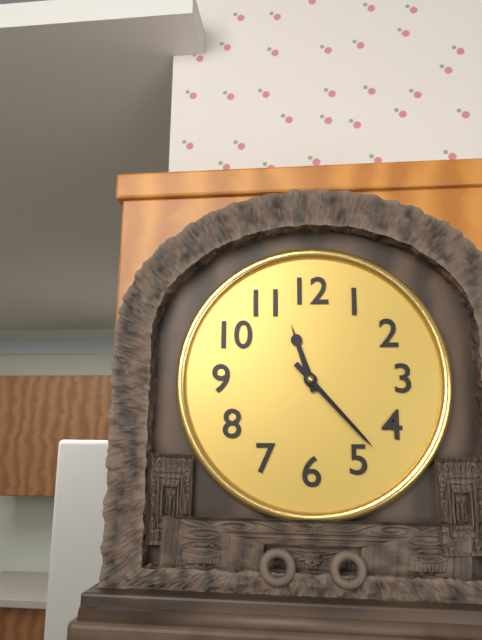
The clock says 11.23
